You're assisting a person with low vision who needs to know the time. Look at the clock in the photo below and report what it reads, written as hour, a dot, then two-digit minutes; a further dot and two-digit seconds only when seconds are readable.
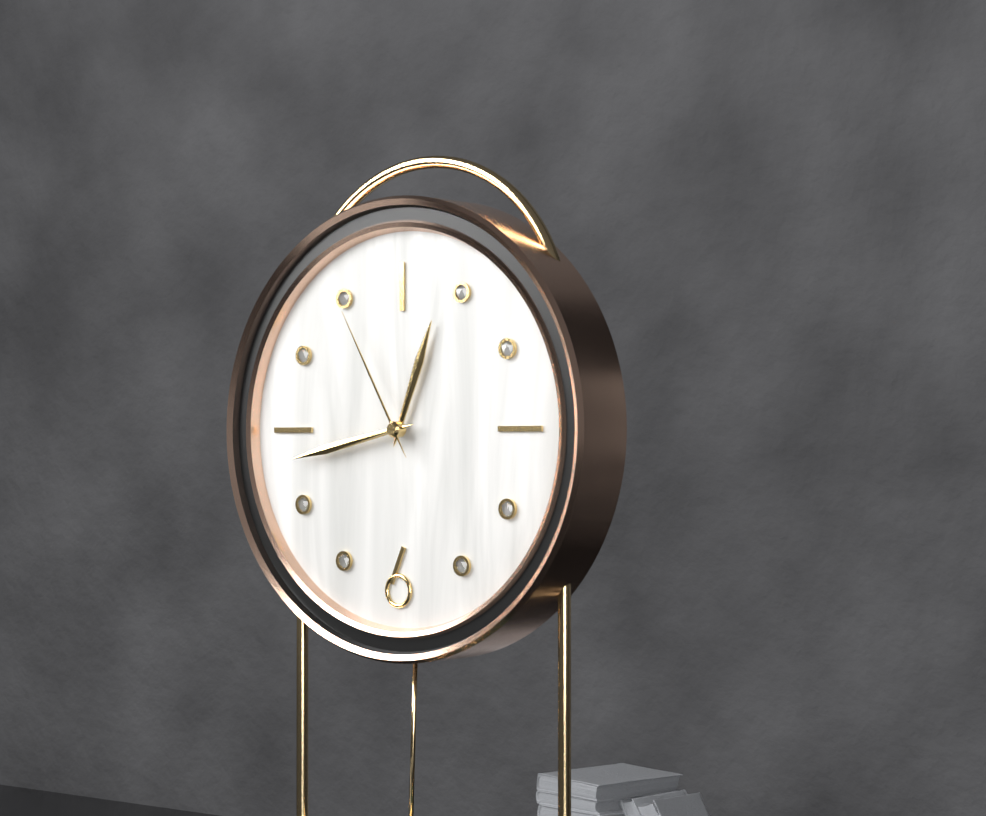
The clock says 12.43.55
